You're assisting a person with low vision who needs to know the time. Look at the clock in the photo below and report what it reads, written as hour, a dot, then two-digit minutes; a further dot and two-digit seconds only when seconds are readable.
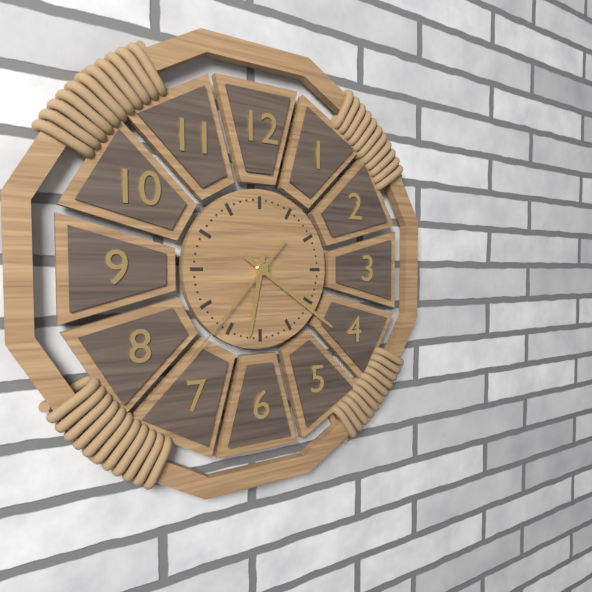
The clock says 6.21.37
